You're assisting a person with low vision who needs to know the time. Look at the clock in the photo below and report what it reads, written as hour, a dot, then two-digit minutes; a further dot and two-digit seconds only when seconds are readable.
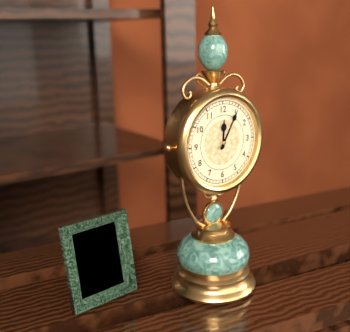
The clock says 12.05
